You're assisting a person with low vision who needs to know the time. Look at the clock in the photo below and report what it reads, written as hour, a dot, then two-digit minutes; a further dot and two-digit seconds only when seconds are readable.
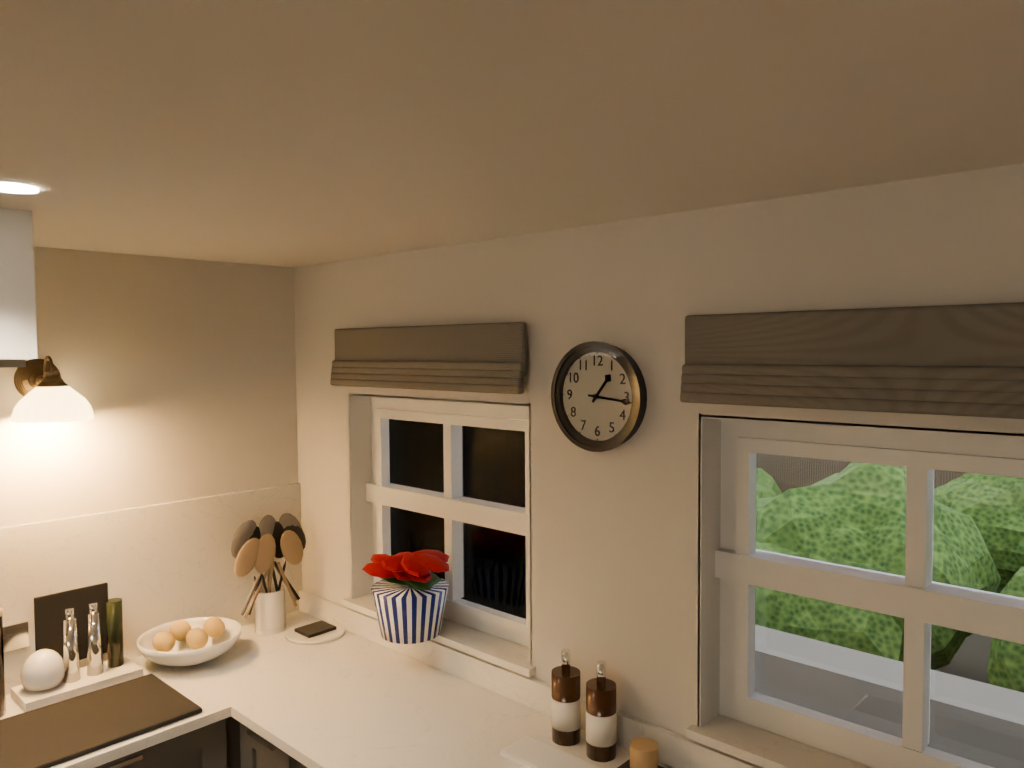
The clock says 1.16
